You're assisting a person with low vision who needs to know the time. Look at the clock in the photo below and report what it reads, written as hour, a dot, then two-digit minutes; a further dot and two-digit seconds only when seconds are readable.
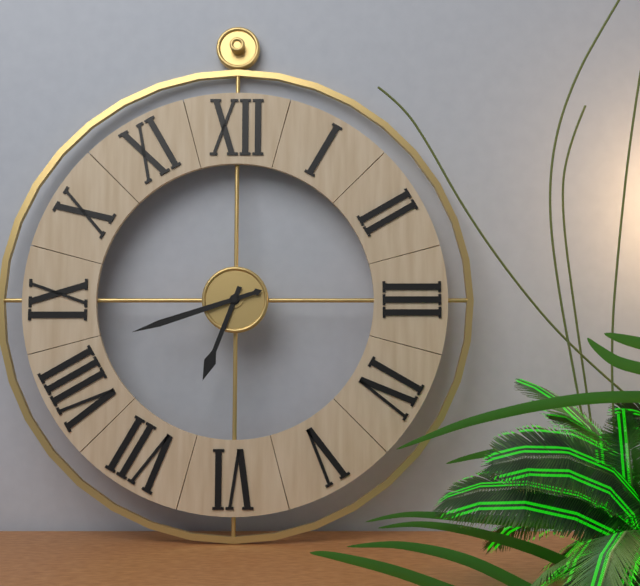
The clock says 6.42
